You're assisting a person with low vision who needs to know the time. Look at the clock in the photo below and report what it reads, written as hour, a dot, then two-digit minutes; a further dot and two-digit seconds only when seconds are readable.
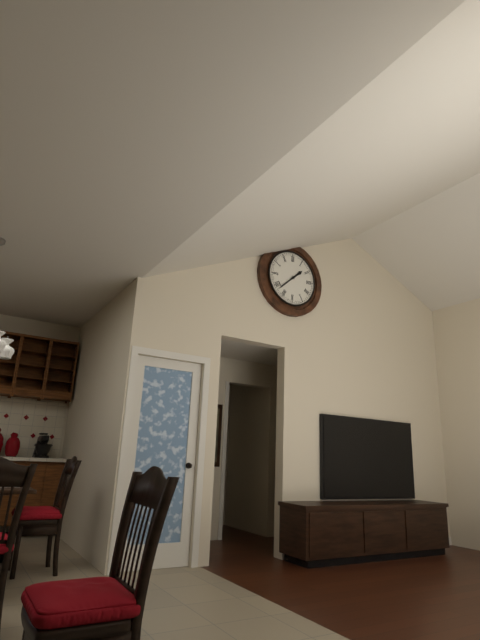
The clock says 1.38
